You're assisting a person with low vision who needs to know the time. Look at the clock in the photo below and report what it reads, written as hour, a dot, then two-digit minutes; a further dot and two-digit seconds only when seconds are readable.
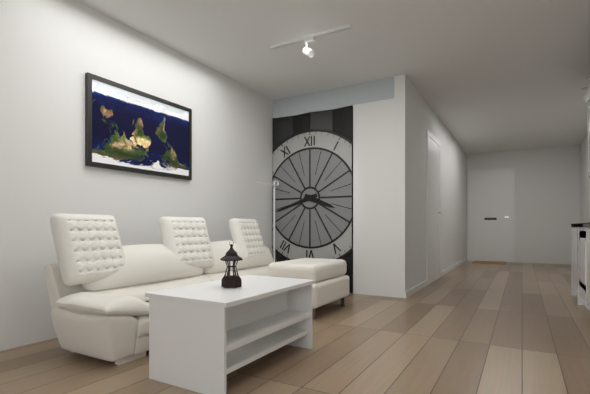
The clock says 3.42
